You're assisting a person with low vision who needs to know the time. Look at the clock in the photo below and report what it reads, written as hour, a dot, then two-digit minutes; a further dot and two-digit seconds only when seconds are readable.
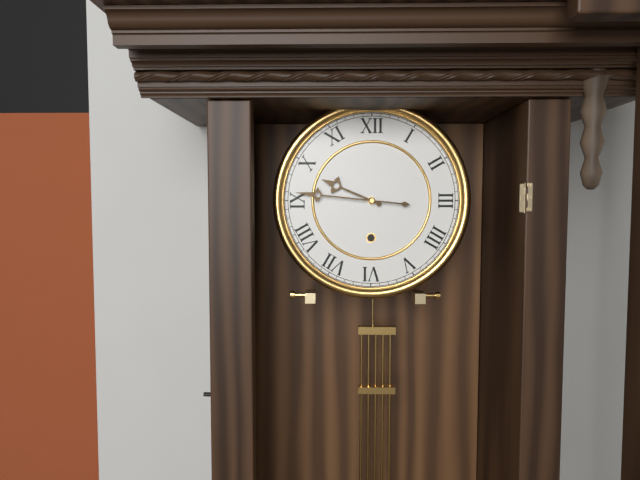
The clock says 9.46
